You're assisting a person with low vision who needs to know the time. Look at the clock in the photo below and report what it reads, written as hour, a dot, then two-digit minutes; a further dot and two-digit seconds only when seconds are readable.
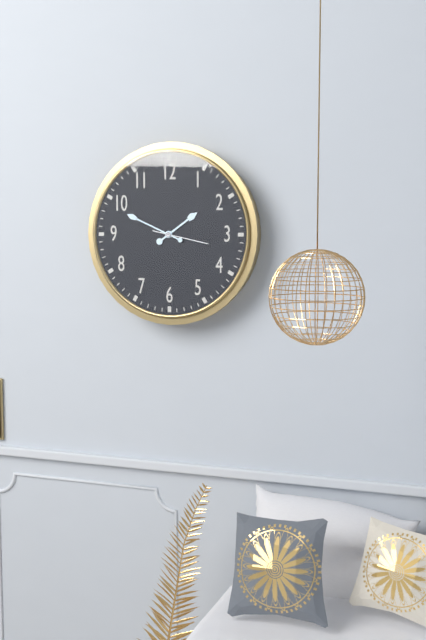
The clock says 1.49.17
